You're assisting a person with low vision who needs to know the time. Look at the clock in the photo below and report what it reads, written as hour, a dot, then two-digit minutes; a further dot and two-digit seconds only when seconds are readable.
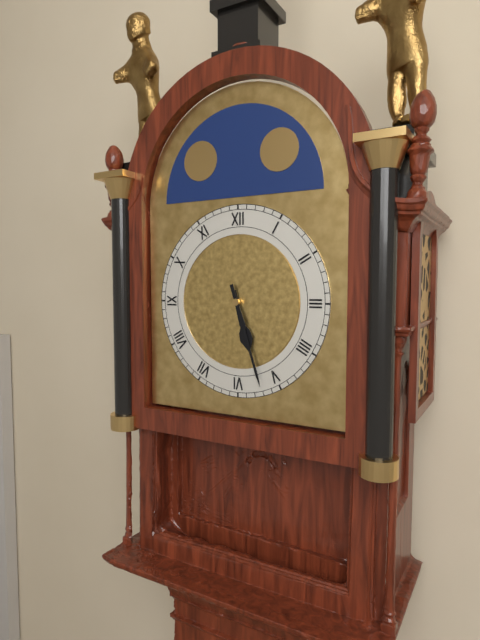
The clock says 5.27
